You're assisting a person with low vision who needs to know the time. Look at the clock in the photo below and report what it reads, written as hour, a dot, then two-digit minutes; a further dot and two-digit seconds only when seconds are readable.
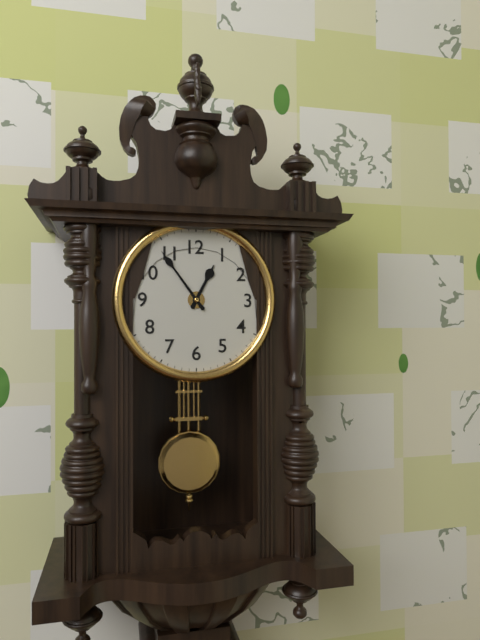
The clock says 12.54
